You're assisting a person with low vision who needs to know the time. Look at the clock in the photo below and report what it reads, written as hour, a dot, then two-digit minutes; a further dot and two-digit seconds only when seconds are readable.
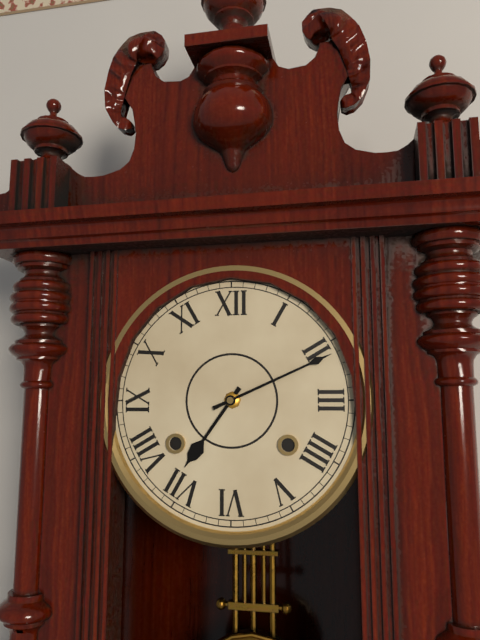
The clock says 7.11
